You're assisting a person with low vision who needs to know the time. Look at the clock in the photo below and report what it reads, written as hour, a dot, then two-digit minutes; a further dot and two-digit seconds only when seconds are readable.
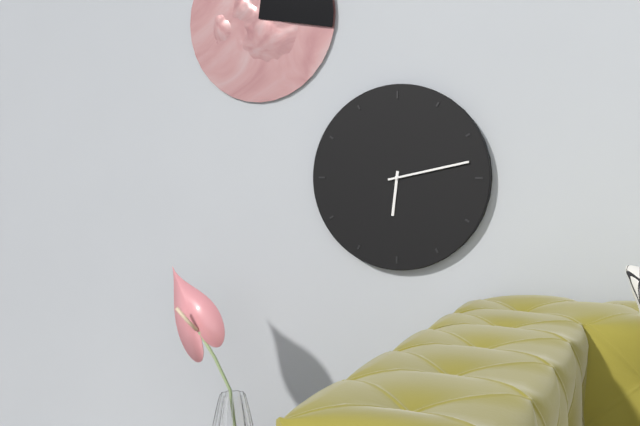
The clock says 6.13
